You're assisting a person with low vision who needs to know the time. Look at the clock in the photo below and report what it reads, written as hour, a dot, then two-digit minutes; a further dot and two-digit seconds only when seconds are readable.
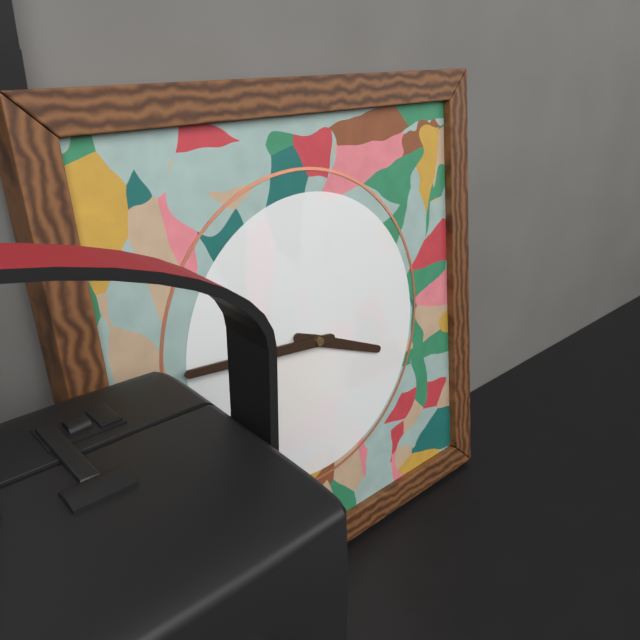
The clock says 3.46
